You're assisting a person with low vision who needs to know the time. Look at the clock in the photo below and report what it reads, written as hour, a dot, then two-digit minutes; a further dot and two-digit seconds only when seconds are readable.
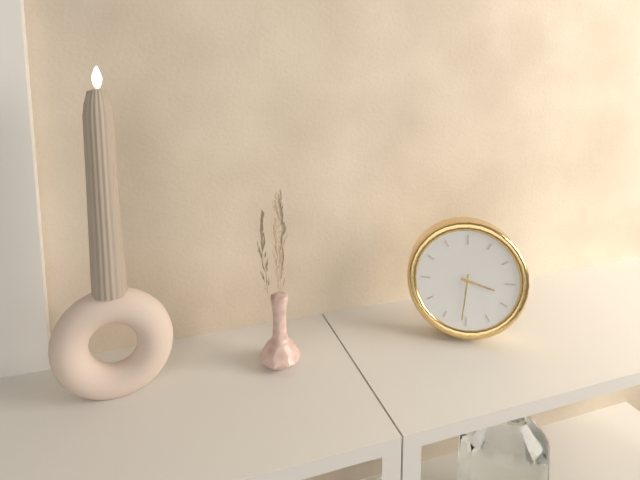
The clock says 3.31
